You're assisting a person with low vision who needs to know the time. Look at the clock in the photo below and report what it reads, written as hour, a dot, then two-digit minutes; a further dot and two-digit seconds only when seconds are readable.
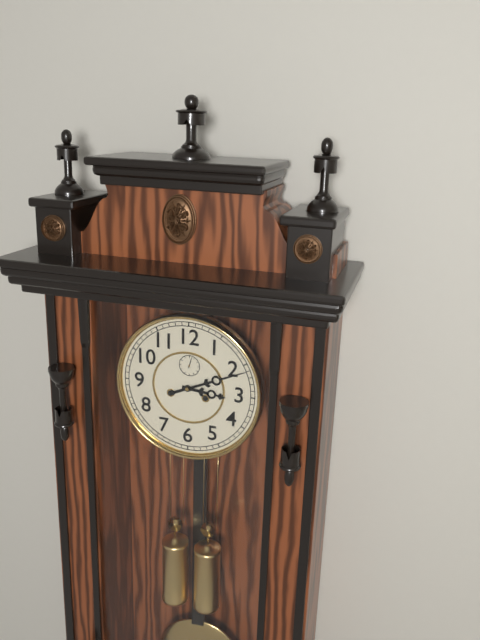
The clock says 3.11
